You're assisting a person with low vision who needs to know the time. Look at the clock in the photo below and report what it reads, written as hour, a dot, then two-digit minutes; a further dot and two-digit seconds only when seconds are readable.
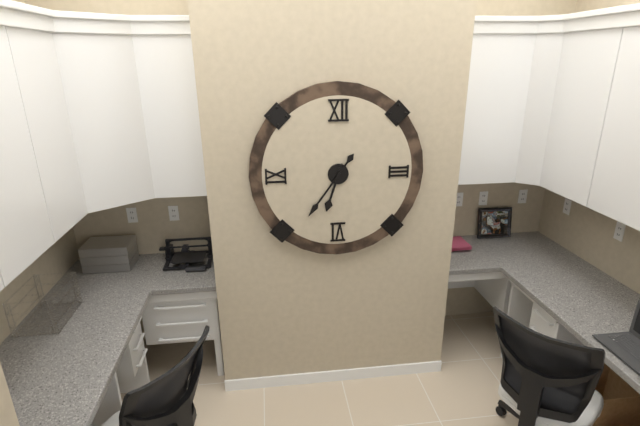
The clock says 6.36
